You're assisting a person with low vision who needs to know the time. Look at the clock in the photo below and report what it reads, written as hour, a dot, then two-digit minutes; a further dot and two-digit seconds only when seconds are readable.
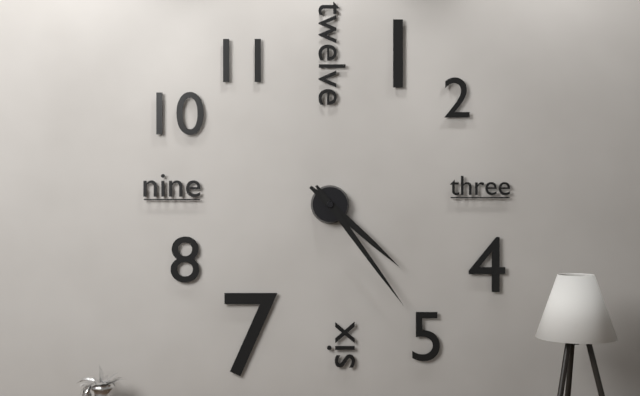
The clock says 4.24
